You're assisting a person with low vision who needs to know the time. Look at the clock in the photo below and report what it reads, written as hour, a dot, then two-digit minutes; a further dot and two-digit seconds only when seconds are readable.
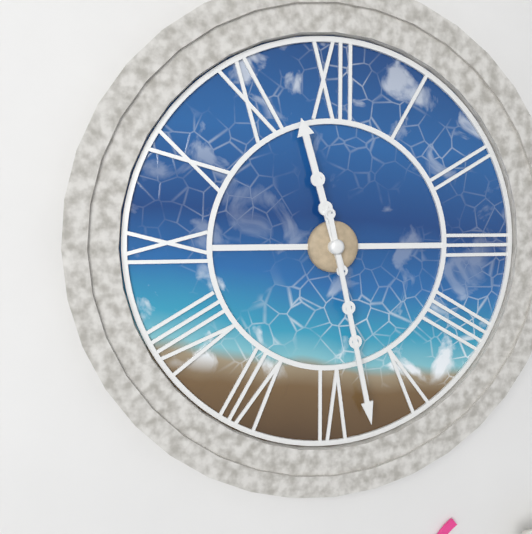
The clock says 11.28
